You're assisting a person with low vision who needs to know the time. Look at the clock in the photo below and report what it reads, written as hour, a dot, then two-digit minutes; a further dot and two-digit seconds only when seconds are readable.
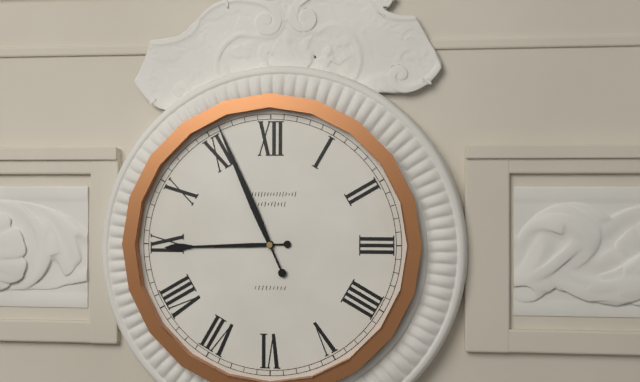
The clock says 8.56
